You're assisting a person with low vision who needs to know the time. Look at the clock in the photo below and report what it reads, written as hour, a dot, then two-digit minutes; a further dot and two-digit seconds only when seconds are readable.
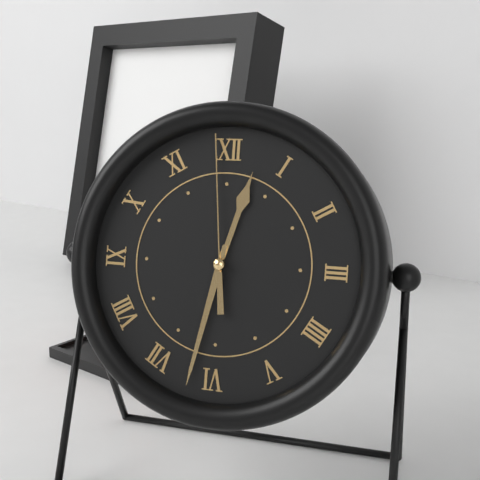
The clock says 12.32.59
